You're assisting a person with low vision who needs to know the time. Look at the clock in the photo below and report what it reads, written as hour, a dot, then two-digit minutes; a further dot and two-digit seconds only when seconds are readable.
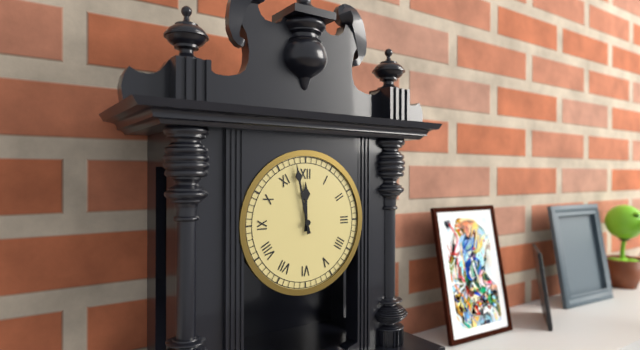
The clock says 11.58
